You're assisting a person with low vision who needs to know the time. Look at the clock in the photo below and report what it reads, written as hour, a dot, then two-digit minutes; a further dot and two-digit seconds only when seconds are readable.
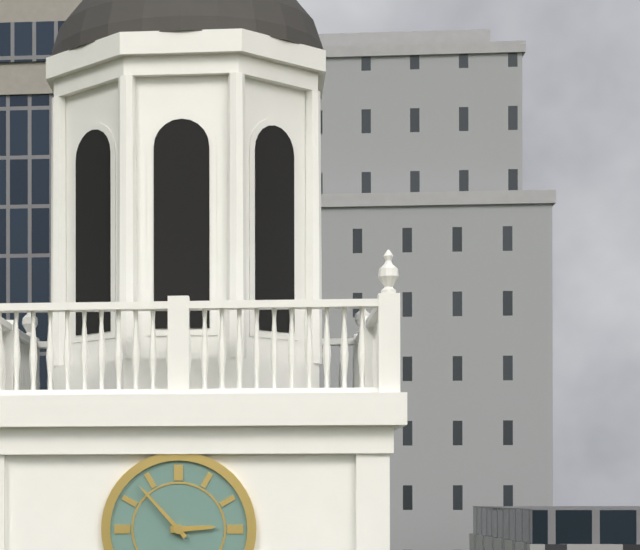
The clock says 2.53
